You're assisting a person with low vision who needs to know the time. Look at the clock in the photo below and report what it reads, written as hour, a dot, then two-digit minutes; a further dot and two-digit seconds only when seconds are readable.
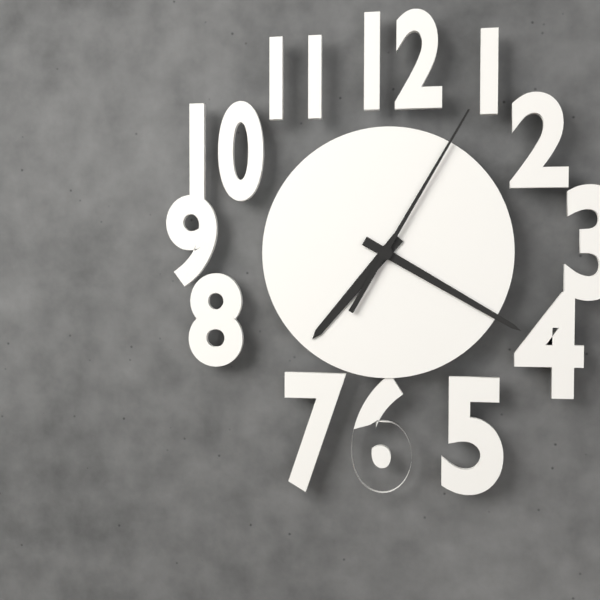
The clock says 7.20.05
